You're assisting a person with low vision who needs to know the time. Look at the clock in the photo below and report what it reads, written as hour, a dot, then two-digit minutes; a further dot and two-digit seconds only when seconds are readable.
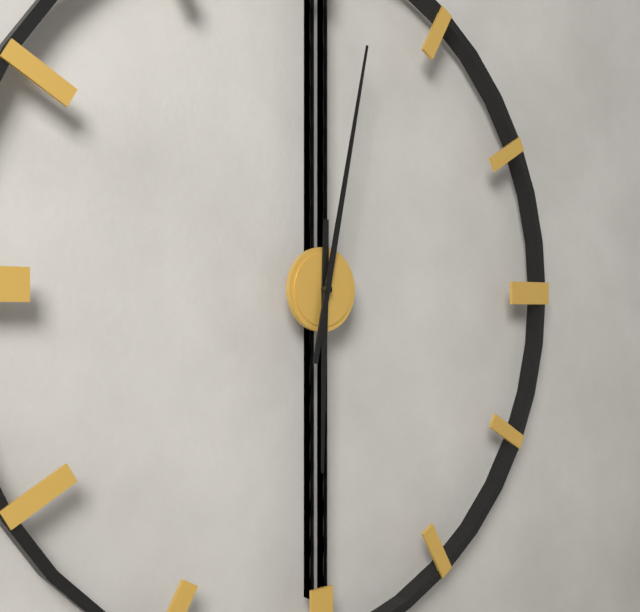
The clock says 6.02
